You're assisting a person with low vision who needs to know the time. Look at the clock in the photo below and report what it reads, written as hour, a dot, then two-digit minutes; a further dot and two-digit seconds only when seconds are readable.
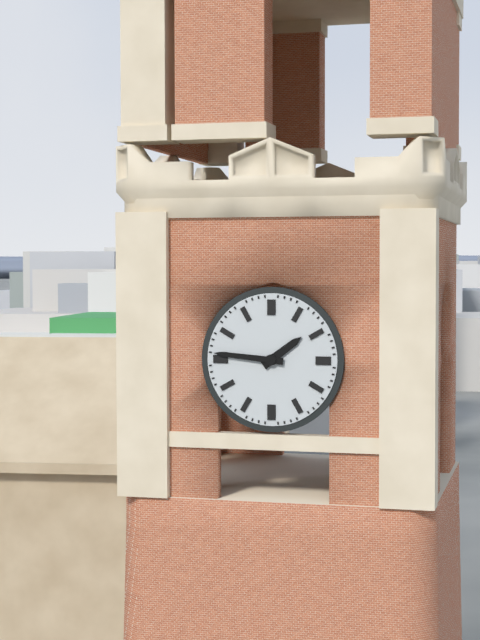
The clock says 1.46
